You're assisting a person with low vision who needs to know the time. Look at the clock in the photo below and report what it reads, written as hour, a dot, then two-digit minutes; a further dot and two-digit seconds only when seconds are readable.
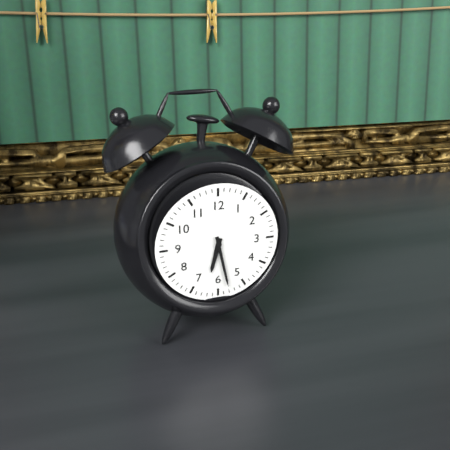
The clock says 6.28
